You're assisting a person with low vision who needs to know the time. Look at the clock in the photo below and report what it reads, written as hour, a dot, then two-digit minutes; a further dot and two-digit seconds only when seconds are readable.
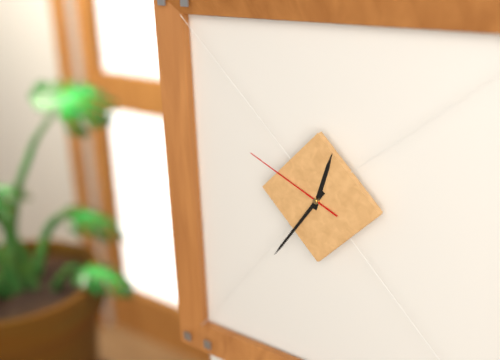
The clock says 12.36.49
